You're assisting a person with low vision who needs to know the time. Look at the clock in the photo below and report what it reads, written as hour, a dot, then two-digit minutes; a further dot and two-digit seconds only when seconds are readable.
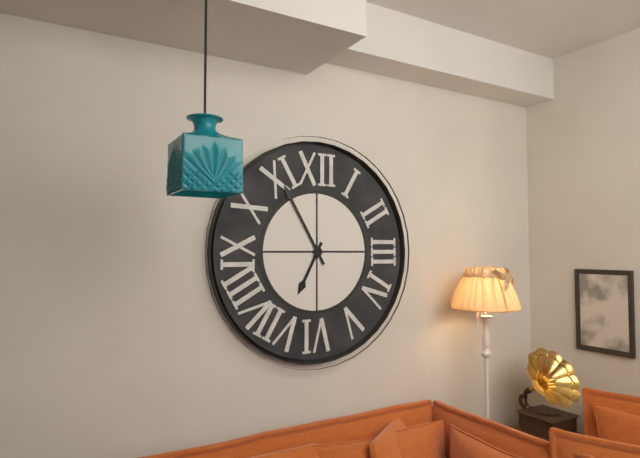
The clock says 6.55
